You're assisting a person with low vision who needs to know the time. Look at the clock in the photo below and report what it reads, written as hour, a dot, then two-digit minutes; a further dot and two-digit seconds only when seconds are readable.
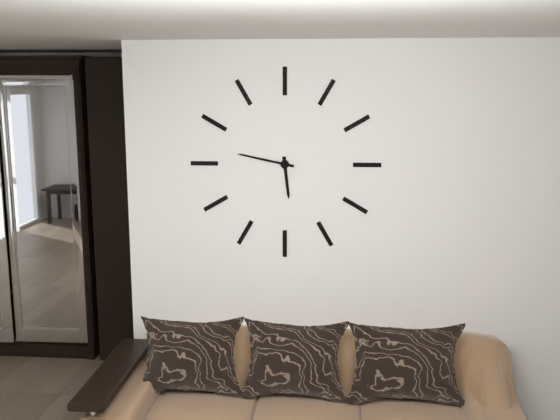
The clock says 5.47
